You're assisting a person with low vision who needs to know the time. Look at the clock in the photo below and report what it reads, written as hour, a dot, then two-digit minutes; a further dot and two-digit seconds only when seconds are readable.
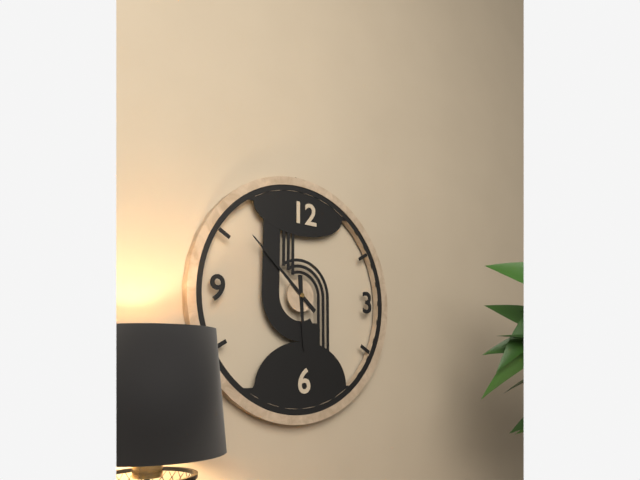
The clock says 5.52
